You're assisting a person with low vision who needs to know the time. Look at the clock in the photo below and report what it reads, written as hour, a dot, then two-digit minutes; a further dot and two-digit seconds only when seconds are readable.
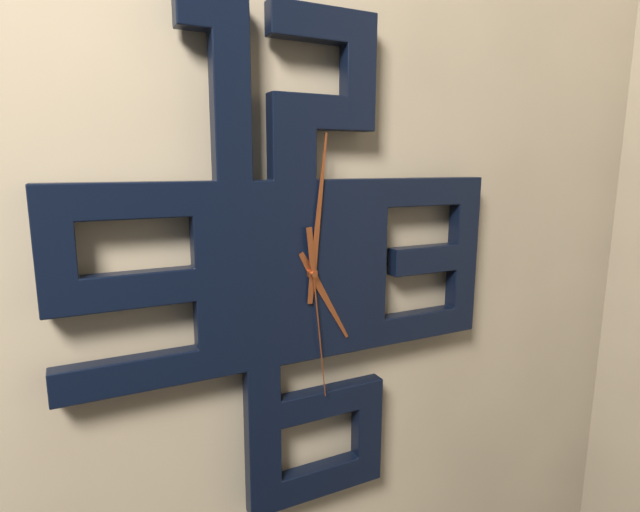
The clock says 5.01.29
